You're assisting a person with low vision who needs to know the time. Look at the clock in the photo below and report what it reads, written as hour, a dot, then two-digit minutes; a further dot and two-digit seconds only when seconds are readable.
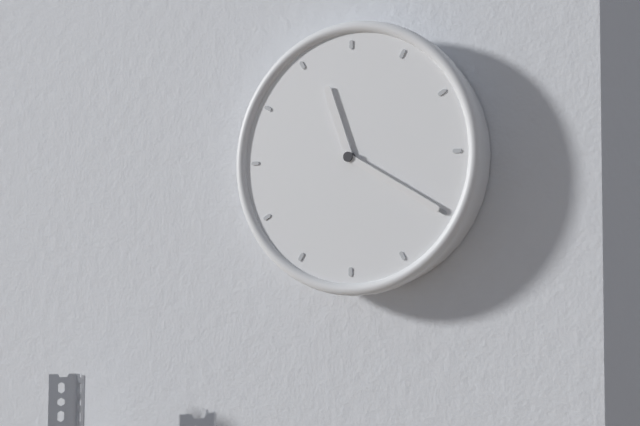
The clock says 11.20
